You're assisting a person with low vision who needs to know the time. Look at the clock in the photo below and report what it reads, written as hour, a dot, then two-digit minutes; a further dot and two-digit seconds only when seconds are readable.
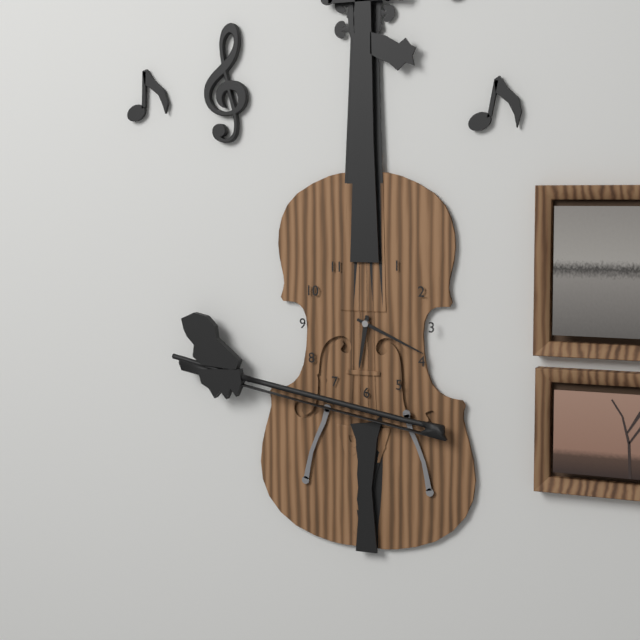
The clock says 6.19
